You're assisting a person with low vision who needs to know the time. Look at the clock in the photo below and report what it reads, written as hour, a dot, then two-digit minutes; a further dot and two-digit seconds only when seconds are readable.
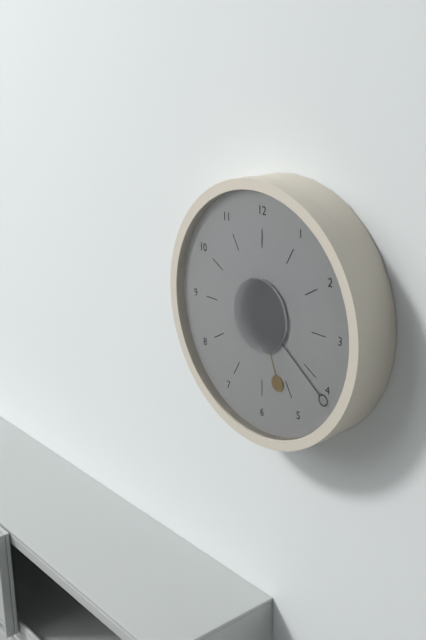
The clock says 5.21
